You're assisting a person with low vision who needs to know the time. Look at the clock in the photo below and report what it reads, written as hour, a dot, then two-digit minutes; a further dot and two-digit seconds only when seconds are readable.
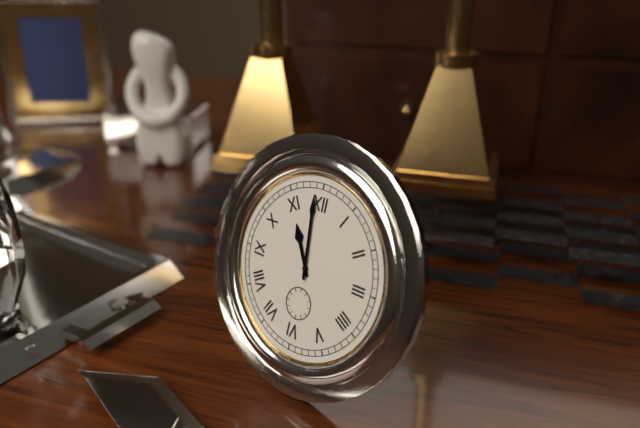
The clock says 10.59
